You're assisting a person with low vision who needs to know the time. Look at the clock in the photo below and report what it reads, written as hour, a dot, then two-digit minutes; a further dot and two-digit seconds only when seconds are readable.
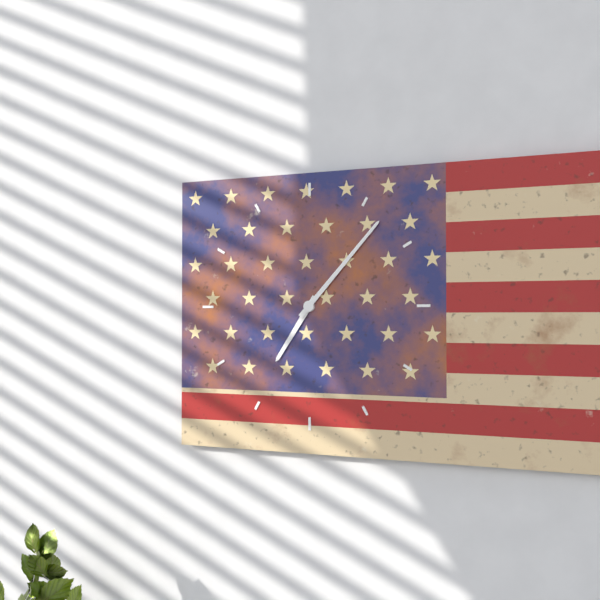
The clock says 7.07
